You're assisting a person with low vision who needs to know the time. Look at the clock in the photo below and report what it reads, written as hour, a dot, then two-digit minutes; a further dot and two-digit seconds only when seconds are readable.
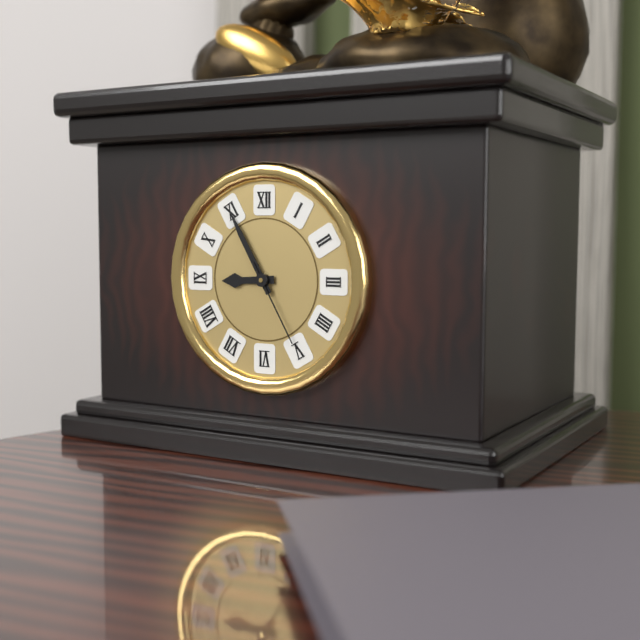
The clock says 8.55.25
